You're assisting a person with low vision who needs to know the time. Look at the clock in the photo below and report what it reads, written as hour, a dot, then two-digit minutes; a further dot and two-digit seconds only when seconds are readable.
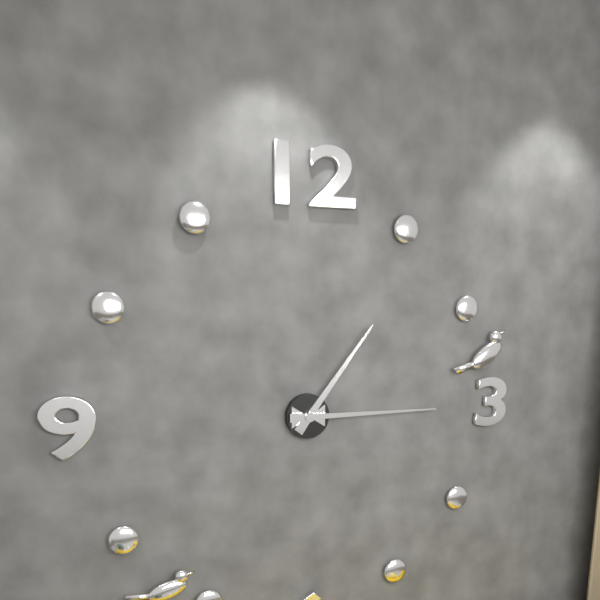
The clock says 1.15
